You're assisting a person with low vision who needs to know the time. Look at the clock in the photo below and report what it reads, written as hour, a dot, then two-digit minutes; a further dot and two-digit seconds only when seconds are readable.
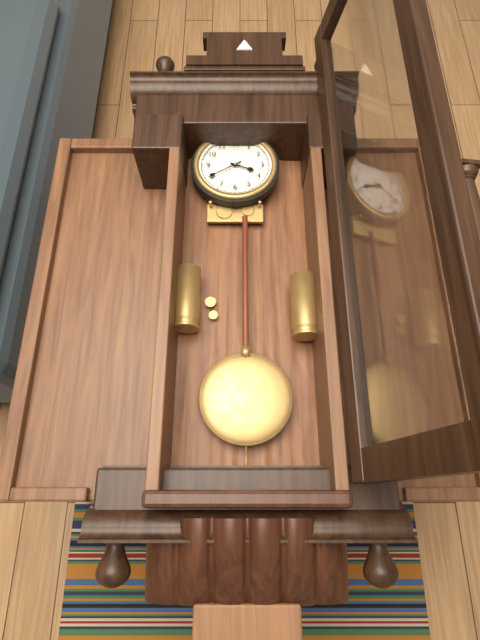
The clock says 3.40
